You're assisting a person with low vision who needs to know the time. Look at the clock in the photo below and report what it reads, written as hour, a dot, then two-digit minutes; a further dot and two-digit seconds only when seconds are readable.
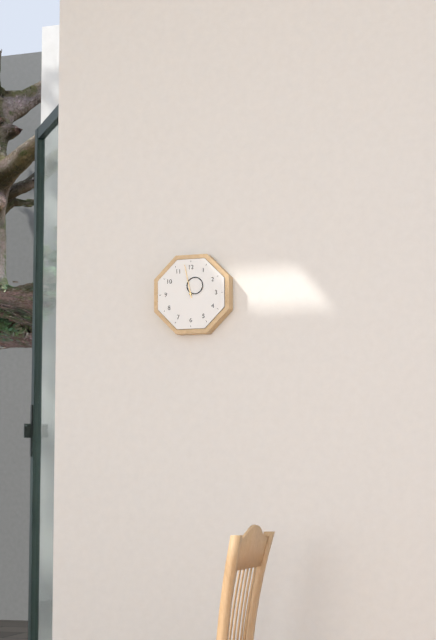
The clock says 12.58
